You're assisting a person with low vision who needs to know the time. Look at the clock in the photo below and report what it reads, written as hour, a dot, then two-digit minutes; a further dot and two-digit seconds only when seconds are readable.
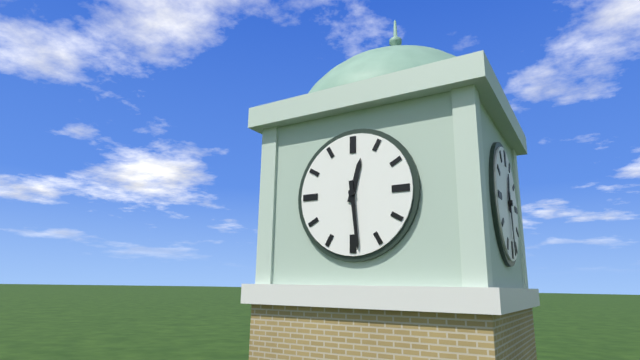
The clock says 12.29
